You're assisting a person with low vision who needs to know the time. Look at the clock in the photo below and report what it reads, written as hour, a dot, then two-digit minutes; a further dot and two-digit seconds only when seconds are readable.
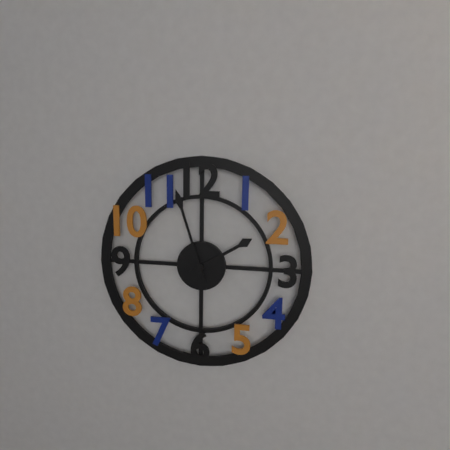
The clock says 1.57
